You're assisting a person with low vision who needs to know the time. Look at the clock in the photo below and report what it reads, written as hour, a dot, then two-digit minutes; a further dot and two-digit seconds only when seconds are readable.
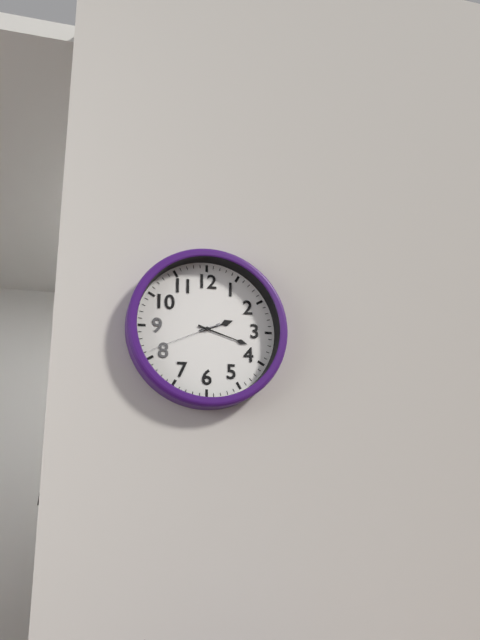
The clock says 2.18.41
